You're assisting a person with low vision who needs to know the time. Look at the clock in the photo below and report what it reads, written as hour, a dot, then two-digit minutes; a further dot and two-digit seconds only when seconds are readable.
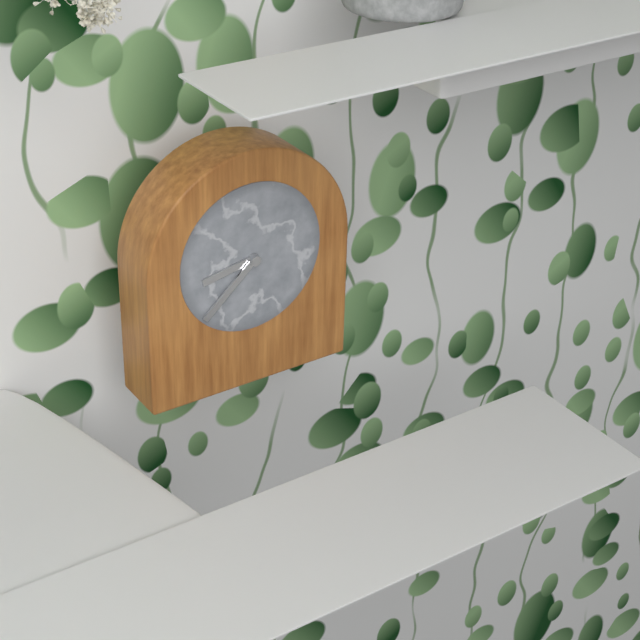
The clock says 8.38
